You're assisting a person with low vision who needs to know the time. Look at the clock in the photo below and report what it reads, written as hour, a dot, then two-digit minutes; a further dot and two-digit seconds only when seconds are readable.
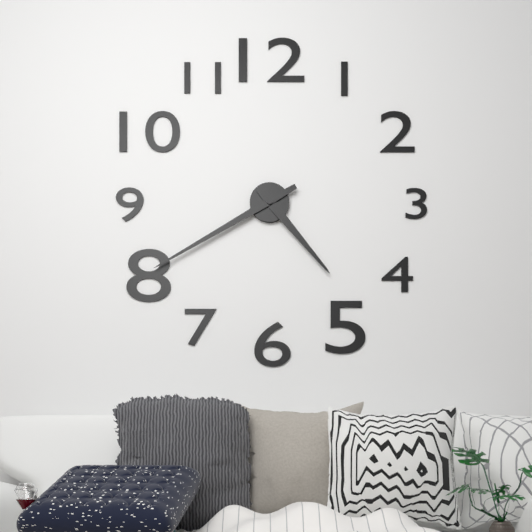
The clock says 4.40
